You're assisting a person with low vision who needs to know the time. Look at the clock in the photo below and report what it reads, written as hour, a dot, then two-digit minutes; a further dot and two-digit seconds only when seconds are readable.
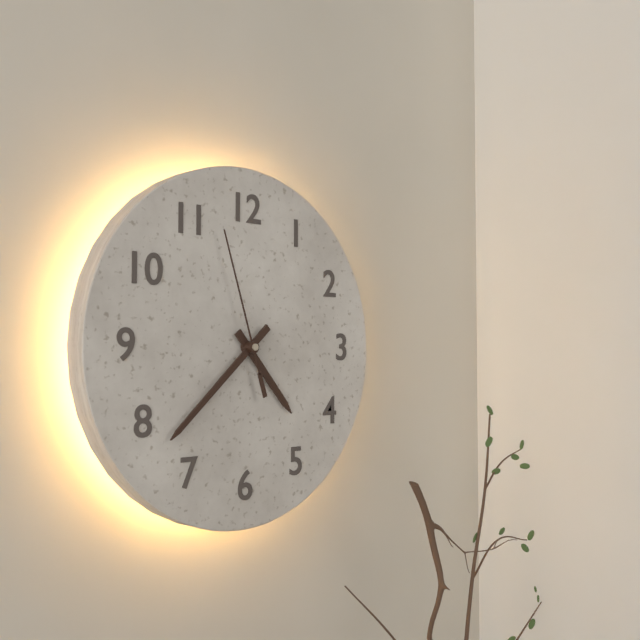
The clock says 4.38.57
